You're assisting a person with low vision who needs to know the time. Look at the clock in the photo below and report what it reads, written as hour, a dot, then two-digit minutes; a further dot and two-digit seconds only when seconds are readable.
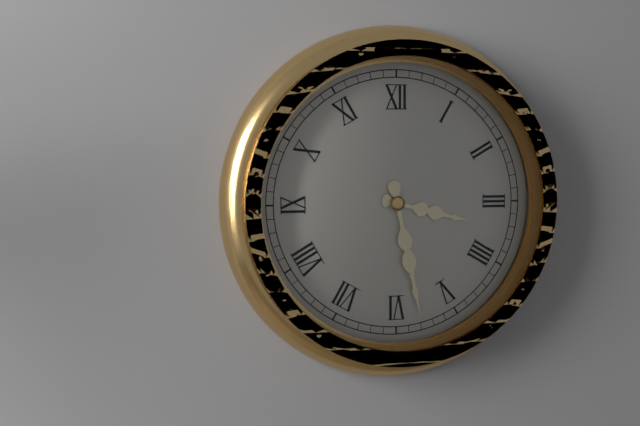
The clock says 3.28
